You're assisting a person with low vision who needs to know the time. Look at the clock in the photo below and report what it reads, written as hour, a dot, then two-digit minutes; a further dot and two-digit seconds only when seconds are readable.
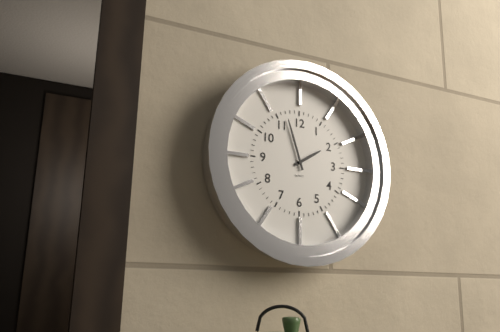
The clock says 1.57
